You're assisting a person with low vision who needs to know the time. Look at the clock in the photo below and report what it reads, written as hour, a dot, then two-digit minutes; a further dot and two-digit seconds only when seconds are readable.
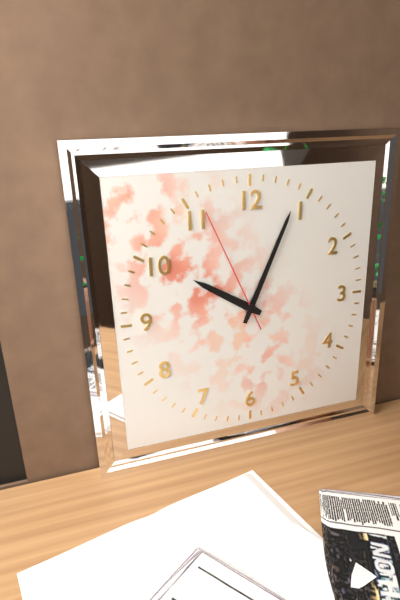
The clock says 10.04.56
